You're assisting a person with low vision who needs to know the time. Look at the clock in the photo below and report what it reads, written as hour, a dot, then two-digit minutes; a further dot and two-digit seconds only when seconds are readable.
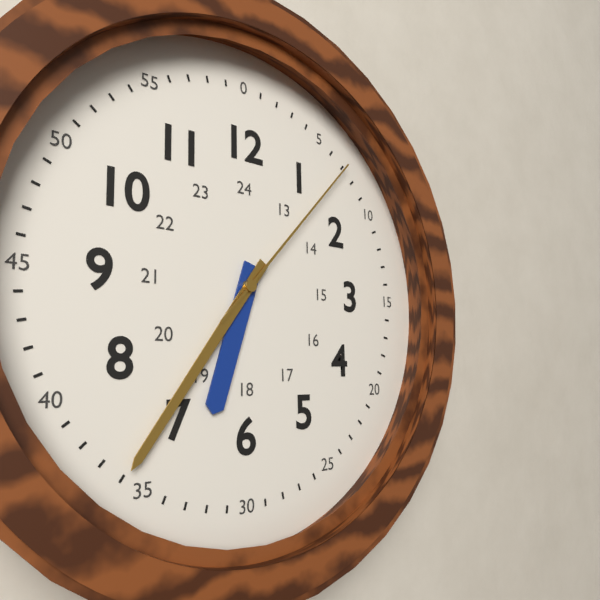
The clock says 6.36.07
